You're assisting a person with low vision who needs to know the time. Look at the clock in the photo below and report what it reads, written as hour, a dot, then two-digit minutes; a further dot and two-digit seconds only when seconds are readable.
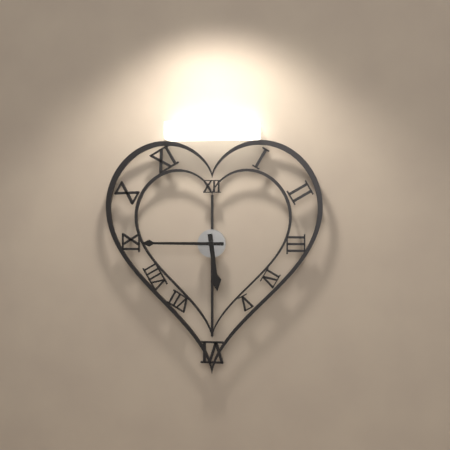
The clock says 5.45
